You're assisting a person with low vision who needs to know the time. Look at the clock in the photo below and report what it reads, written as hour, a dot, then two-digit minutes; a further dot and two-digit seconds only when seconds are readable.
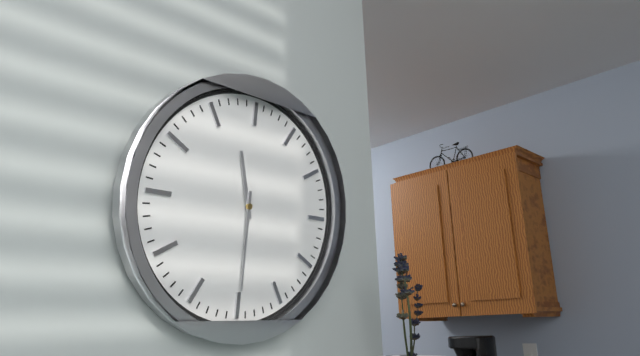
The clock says 11.30
